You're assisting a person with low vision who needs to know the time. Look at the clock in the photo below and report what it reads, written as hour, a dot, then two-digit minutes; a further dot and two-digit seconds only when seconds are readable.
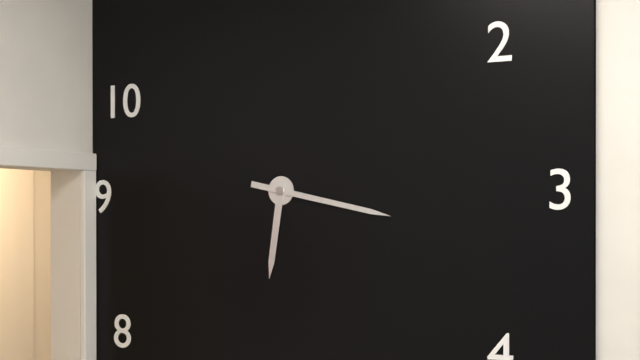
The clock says 6.17
